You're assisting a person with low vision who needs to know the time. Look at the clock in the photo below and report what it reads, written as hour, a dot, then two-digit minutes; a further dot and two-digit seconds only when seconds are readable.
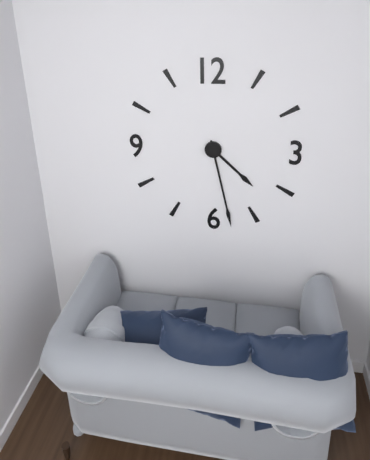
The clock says 4.28
